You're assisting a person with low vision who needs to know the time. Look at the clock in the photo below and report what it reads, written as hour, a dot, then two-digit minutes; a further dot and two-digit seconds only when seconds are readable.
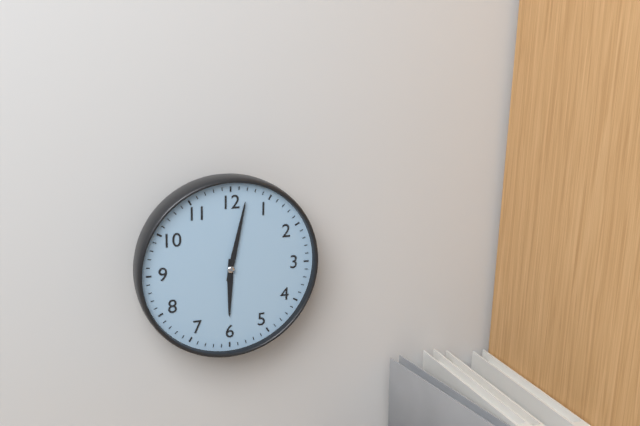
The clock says 6.02
